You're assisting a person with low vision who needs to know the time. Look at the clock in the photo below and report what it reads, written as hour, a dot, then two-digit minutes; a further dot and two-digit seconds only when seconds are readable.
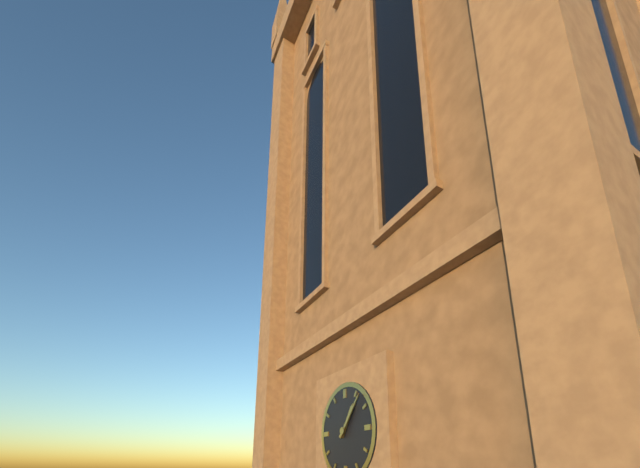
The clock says 1.07
